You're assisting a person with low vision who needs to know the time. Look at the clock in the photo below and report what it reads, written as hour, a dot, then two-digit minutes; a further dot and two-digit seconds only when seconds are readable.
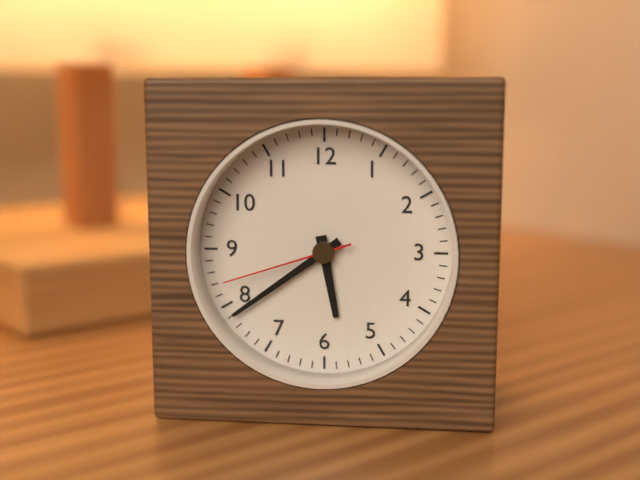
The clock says 5.39.42
